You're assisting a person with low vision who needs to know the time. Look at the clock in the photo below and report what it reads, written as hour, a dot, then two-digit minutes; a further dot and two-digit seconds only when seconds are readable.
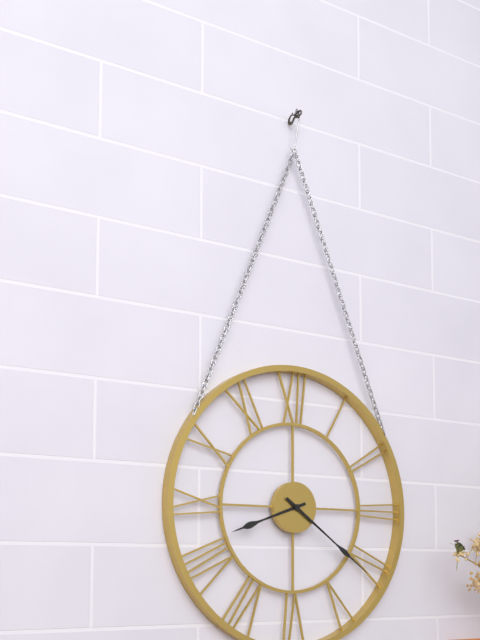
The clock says 8.21
